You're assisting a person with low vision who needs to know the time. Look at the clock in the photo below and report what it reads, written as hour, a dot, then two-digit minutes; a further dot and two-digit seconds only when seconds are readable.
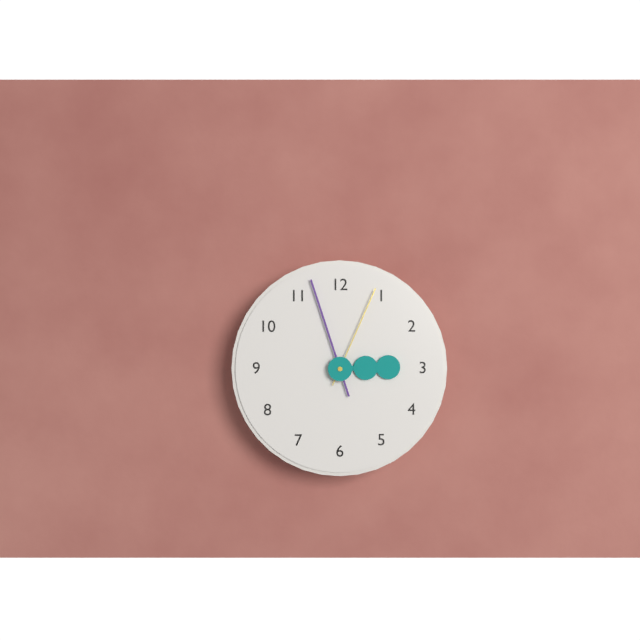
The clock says 2.57.04
